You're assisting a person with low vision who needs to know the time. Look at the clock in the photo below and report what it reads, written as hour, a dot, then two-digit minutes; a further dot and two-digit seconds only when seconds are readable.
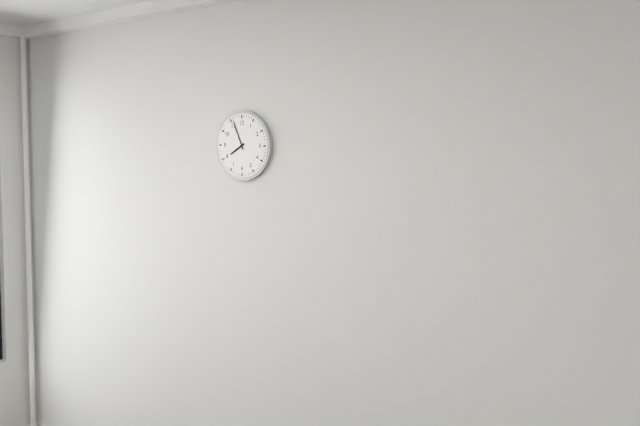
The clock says 7.56
